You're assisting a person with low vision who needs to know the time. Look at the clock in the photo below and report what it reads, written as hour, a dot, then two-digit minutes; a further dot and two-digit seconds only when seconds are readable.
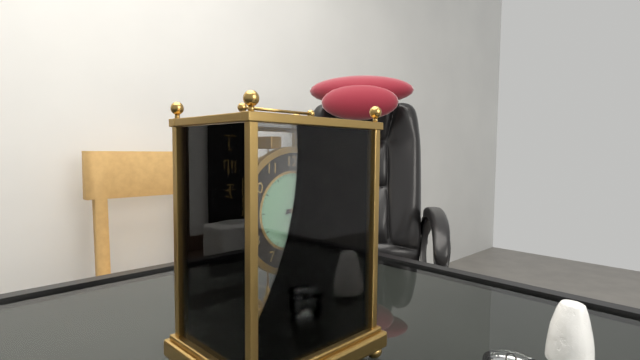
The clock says 3.13
